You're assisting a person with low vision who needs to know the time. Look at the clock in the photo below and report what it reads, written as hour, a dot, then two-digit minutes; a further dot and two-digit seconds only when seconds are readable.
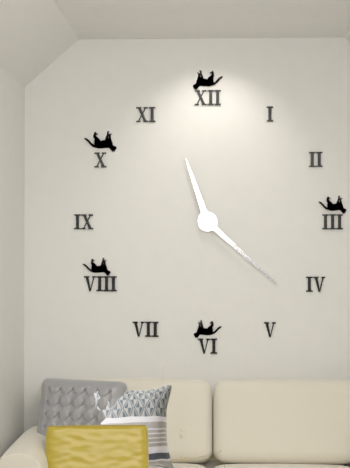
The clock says 11.22
